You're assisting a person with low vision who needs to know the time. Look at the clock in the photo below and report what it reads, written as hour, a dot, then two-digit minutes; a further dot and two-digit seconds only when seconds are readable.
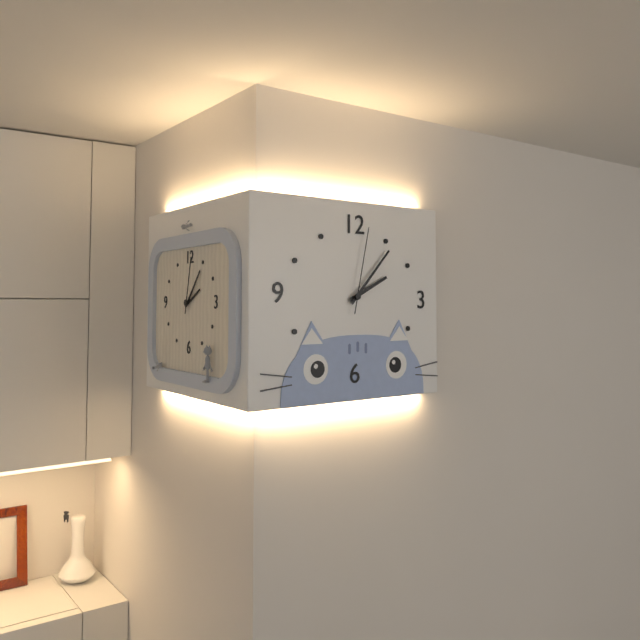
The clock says 2.07.02
